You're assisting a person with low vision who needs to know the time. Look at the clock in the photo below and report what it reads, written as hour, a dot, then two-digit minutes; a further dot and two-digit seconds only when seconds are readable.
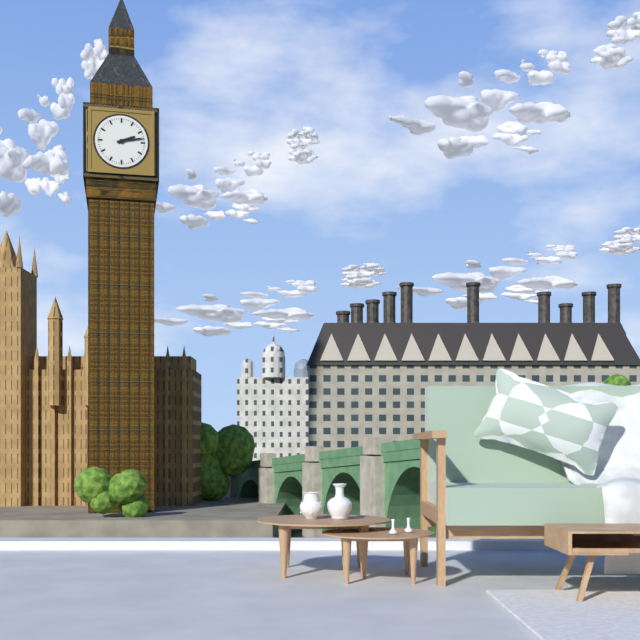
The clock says 2.13
